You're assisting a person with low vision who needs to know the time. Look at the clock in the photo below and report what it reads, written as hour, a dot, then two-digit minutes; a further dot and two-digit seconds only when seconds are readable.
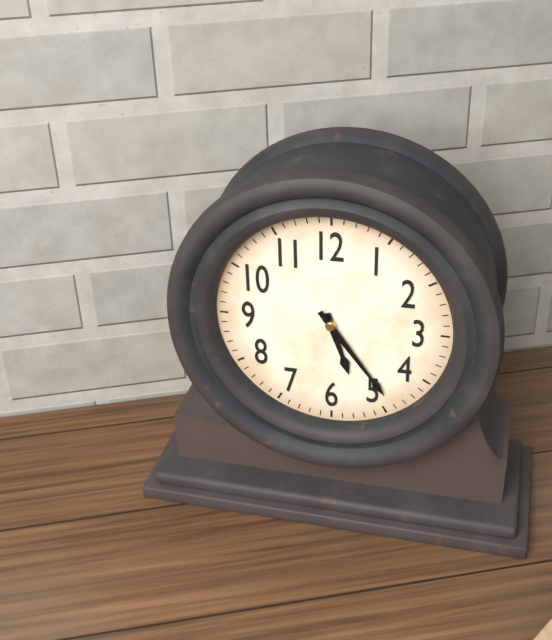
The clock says 5.24
